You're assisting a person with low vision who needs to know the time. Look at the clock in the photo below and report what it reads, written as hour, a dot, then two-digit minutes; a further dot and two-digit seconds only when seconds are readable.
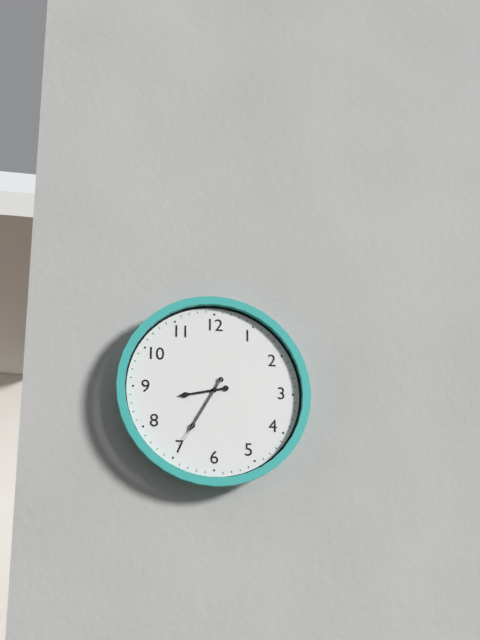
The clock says 8.35.35
